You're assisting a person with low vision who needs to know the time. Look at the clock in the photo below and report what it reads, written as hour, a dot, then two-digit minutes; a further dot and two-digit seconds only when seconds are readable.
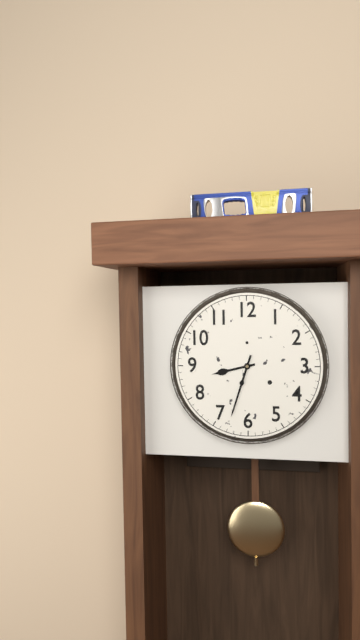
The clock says 8.33
